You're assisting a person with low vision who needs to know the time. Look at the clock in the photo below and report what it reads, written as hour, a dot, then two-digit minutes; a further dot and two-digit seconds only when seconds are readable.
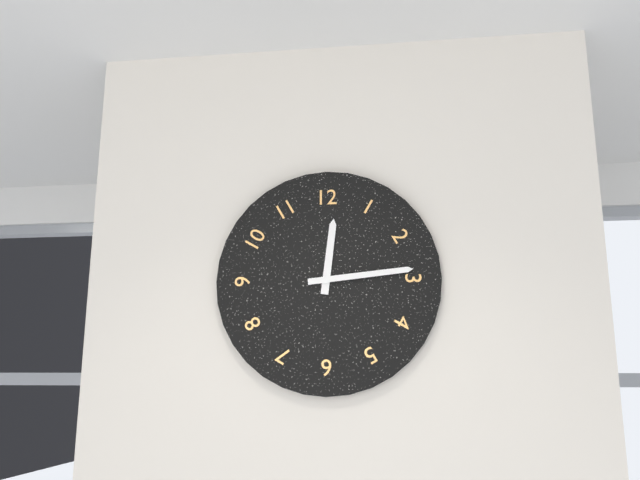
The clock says 12.14
